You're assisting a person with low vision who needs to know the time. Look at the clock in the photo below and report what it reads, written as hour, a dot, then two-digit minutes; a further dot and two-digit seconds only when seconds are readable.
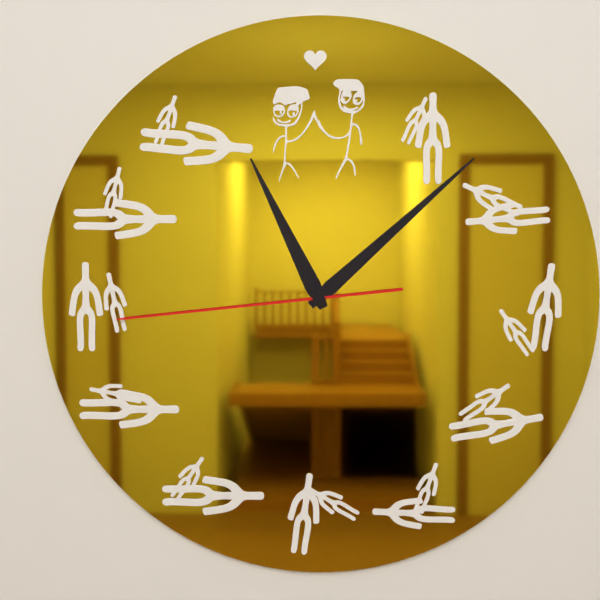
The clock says 11.08.44
